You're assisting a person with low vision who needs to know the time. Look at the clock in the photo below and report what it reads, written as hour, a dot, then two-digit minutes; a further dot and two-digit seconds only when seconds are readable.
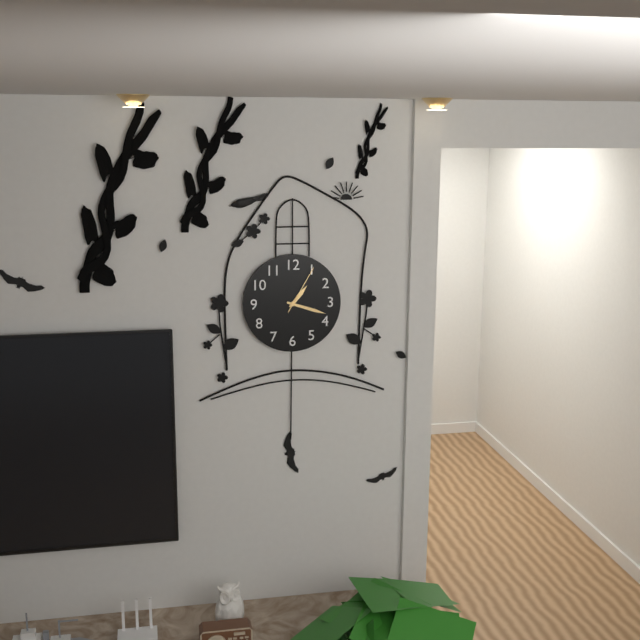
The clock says 1.18.05
